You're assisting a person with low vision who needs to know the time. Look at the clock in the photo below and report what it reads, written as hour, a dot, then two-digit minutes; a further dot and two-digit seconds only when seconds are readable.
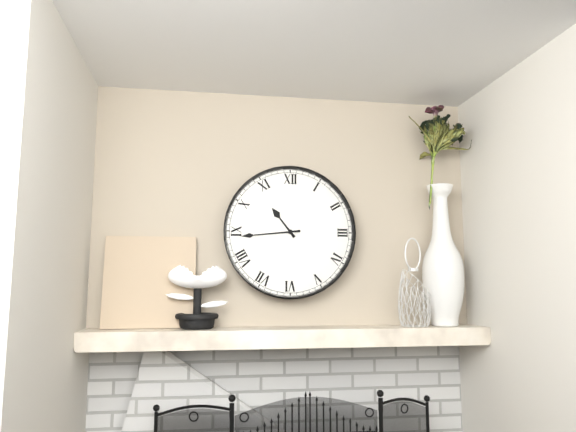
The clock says 10.44
